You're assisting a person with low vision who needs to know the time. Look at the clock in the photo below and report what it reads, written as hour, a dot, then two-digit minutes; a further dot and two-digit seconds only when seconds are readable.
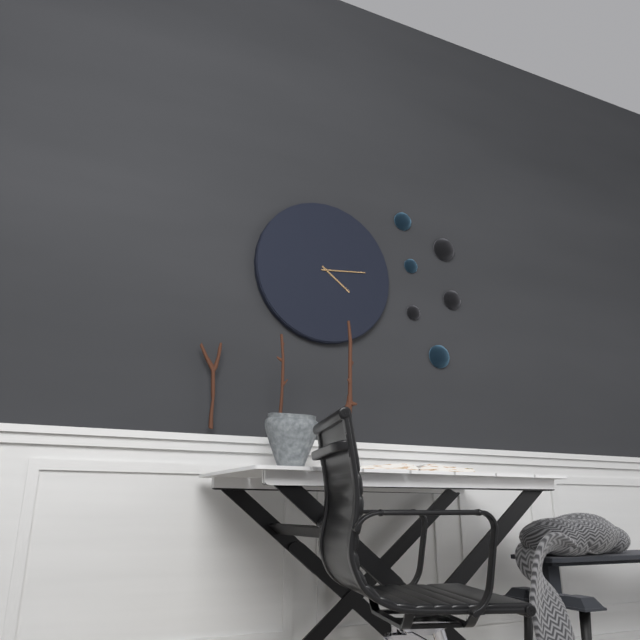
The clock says 4.14
